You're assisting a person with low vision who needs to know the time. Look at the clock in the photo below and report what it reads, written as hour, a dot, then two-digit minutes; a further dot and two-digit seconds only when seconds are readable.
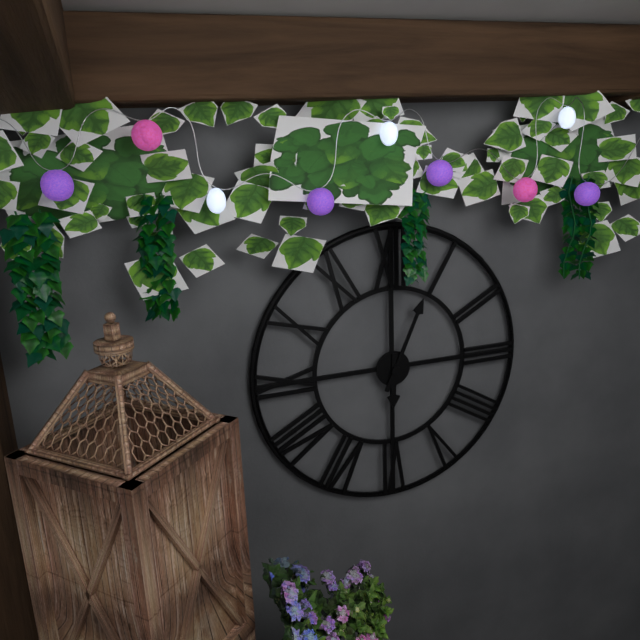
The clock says 6.04
